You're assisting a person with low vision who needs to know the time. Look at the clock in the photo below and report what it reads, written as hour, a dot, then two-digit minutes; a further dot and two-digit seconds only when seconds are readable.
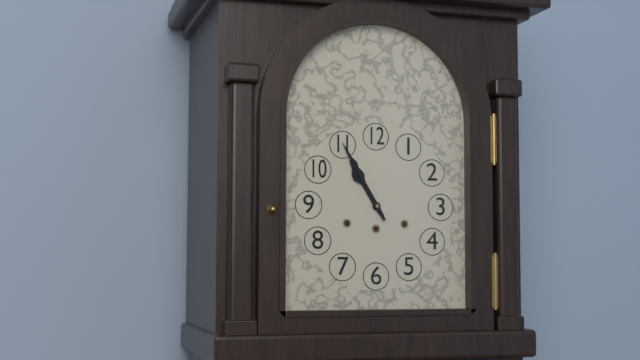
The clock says 10.55
